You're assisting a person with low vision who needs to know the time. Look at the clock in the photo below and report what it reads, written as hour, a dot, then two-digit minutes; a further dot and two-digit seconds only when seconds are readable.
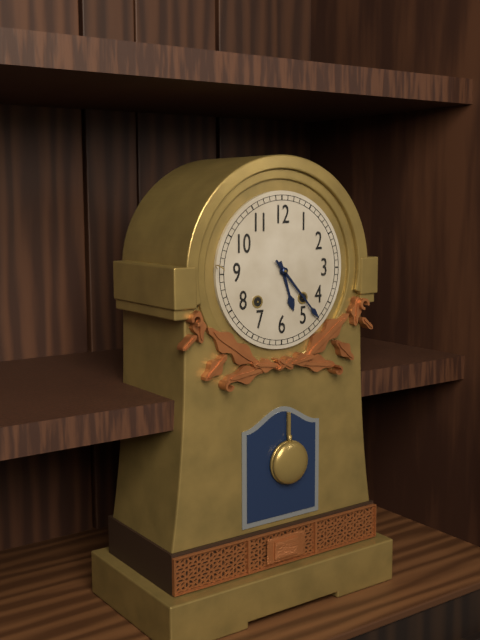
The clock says 5.23
